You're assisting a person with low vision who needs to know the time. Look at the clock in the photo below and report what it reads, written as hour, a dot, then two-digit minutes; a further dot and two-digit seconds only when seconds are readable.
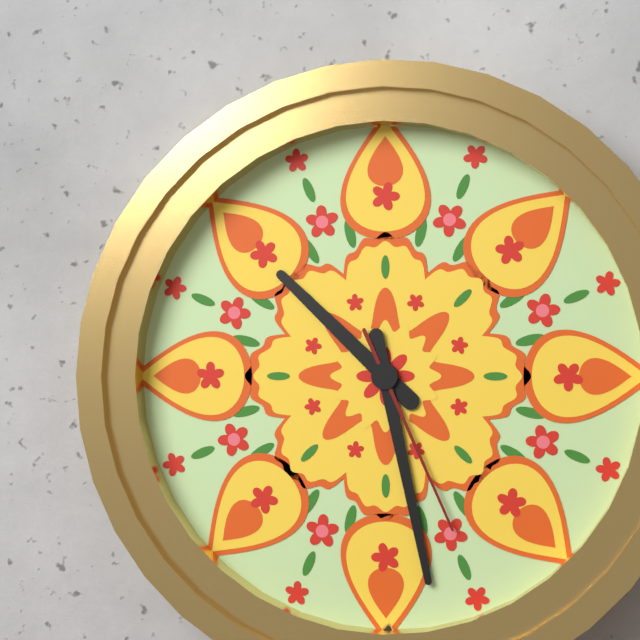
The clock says 10.28.26
